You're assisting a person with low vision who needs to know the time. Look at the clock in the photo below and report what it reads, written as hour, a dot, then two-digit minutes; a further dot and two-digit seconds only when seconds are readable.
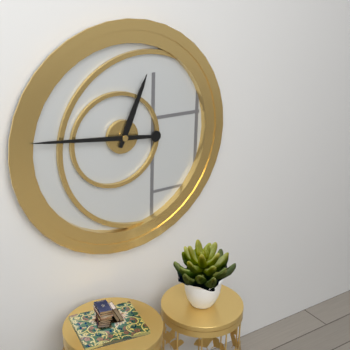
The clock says 12.46
